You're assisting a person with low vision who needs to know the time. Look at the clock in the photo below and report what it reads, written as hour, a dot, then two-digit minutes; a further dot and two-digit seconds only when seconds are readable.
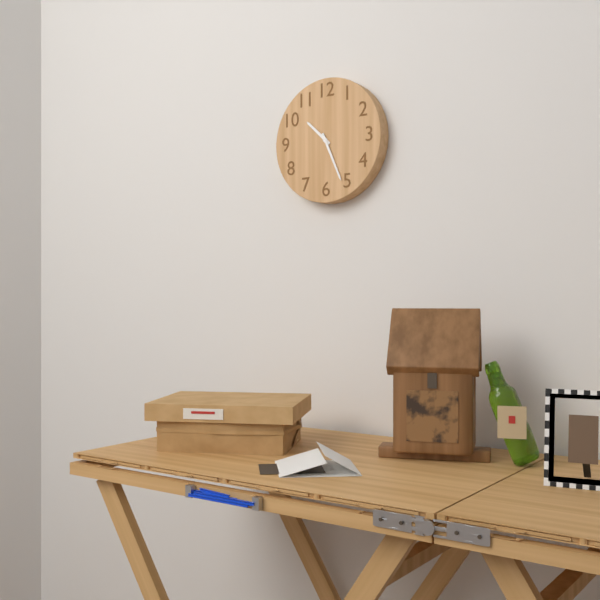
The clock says 10.26
